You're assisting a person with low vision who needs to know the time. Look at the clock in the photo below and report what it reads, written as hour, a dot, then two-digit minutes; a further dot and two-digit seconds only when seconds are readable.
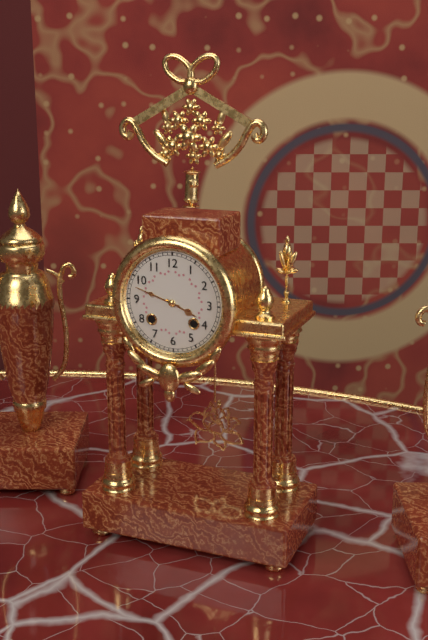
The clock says 3.48
